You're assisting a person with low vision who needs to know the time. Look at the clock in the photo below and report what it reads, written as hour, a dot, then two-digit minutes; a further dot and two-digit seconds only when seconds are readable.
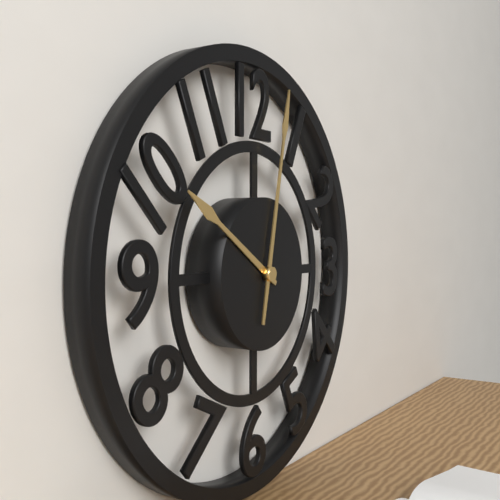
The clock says 10.02
